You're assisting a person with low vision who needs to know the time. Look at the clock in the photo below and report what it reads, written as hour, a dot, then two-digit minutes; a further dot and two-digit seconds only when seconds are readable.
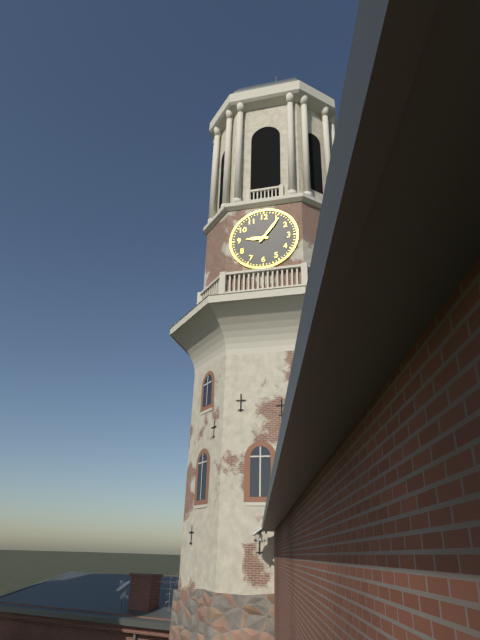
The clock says 9.06
